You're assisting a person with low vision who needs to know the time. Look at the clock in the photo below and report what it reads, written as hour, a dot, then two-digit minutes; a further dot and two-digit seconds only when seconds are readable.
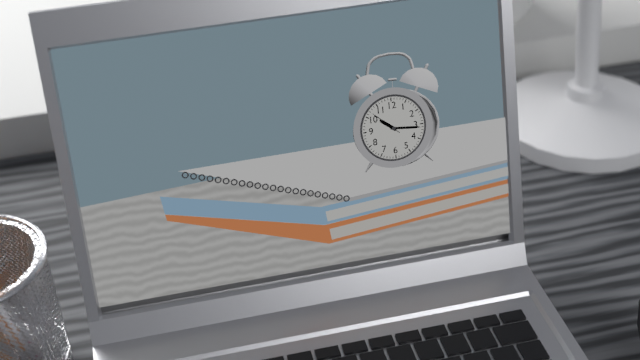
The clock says 10.16
